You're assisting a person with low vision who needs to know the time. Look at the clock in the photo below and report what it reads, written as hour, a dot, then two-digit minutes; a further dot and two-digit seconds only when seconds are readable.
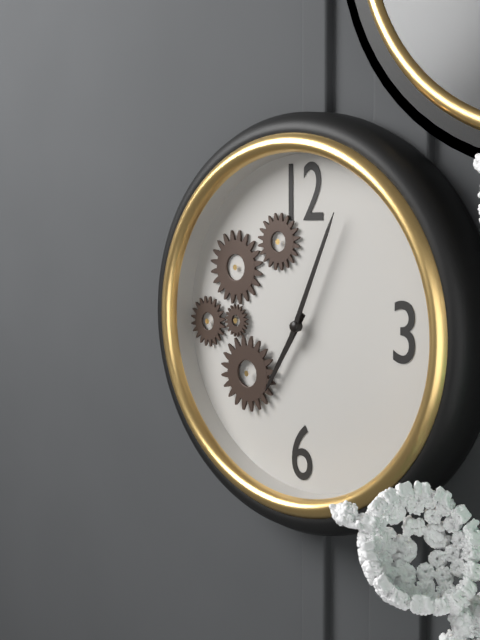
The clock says 7.04
